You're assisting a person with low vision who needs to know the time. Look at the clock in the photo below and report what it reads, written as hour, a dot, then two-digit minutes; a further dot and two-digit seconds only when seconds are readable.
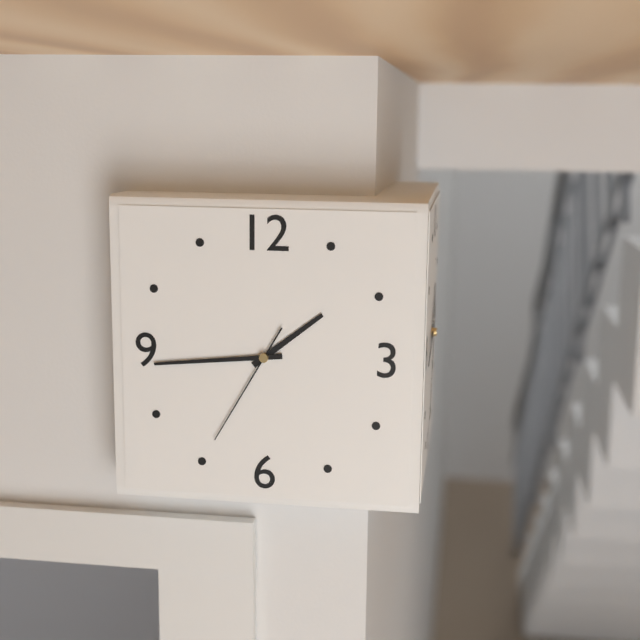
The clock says 1.44.35
